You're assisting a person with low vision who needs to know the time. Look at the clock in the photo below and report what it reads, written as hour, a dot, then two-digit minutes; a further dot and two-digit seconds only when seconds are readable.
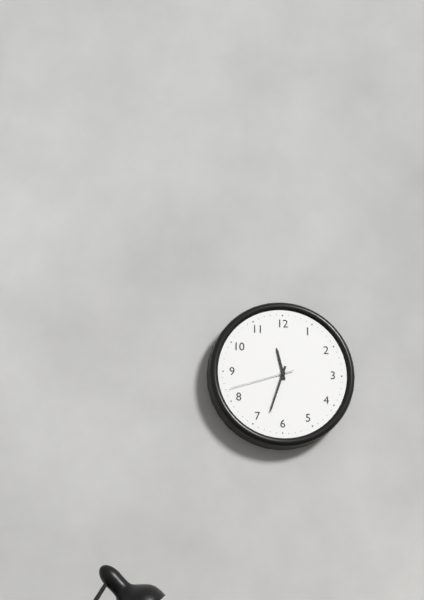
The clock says 11.33.42
